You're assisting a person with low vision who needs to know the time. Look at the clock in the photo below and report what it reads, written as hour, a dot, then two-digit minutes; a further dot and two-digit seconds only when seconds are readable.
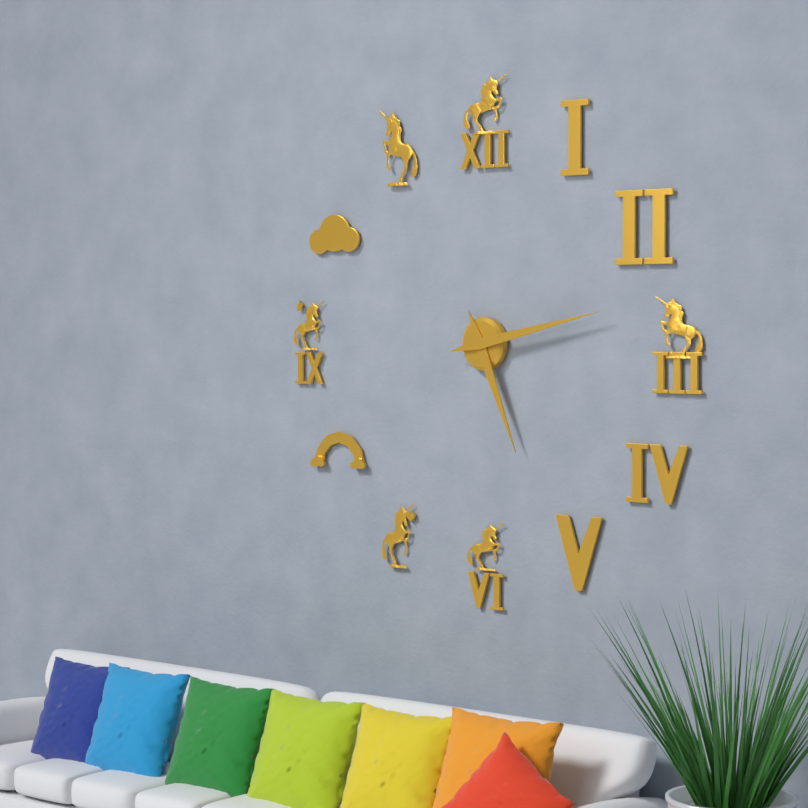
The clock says 5.13
